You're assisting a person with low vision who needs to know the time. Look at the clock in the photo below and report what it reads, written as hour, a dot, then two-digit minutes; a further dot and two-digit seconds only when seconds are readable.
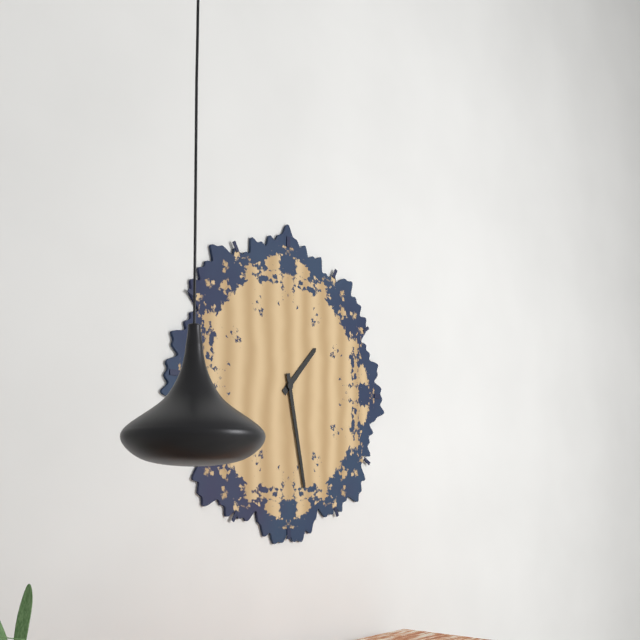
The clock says 1.28
